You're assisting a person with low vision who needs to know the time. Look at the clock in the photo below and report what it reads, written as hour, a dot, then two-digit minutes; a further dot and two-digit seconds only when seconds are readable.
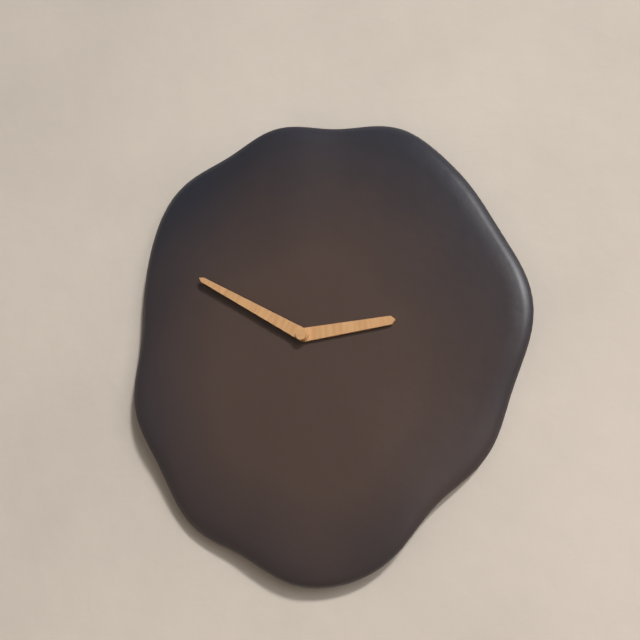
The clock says 2.50
